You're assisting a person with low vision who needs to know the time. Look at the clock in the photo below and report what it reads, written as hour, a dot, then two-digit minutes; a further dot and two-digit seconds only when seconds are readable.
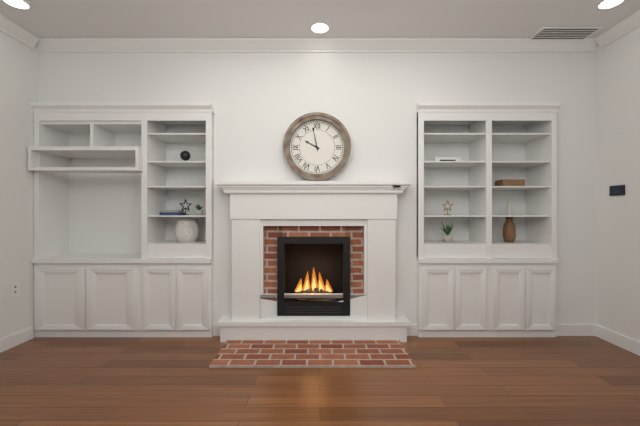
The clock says 9.58
